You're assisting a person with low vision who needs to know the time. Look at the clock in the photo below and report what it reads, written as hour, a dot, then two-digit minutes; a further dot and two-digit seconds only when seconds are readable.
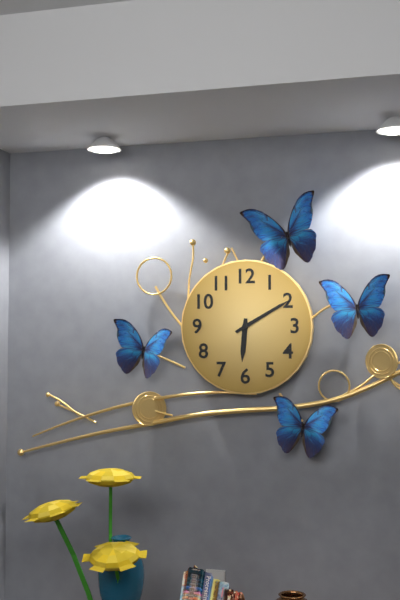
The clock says 6.10
